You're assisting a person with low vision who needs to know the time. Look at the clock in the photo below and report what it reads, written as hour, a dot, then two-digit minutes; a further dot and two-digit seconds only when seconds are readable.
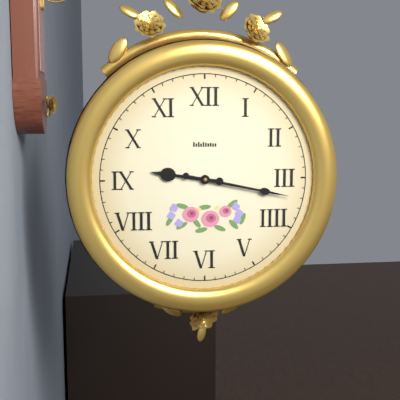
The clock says 9.17
